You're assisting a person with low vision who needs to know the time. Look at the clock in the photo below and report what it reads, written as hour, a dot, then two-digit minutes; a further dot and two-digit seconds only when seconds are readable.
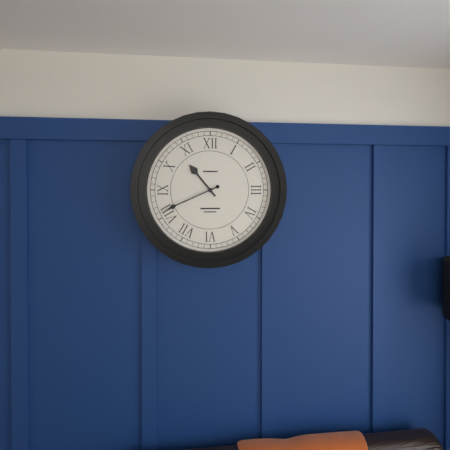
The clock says 10.41
